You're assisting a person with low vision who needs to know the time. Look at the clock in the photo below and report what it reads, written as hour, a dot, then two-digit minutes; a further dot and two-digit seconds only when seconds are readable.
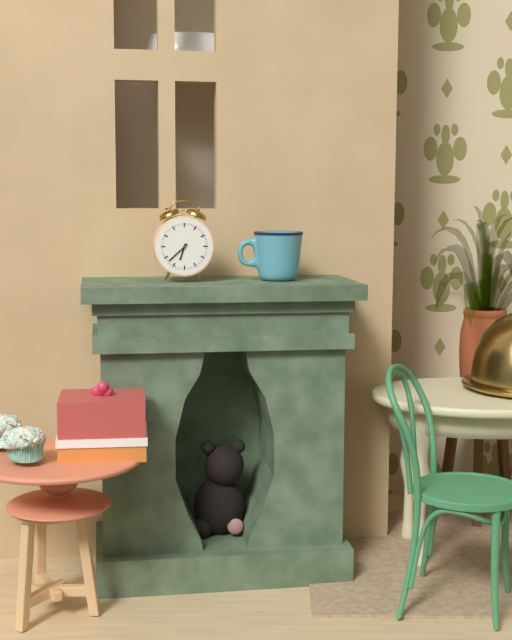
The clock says 6.38
